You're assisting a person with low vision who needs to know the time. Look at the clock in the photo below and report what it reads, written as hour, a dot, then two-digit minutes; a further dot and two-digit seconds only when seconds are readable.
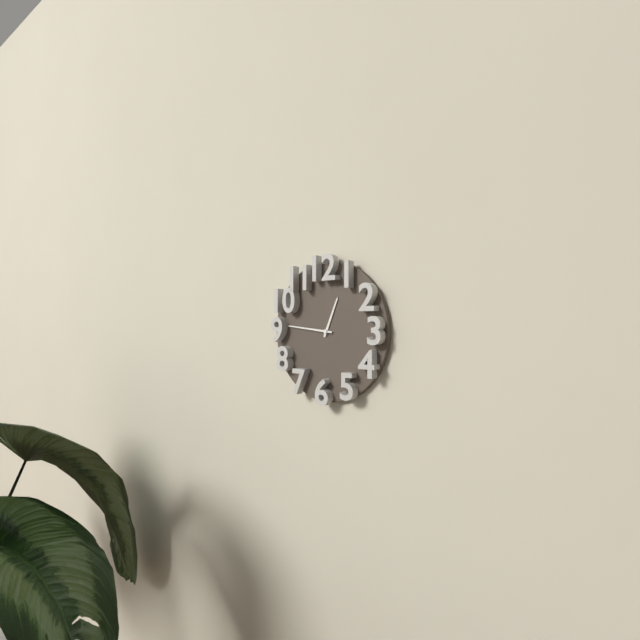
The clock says 12.46
